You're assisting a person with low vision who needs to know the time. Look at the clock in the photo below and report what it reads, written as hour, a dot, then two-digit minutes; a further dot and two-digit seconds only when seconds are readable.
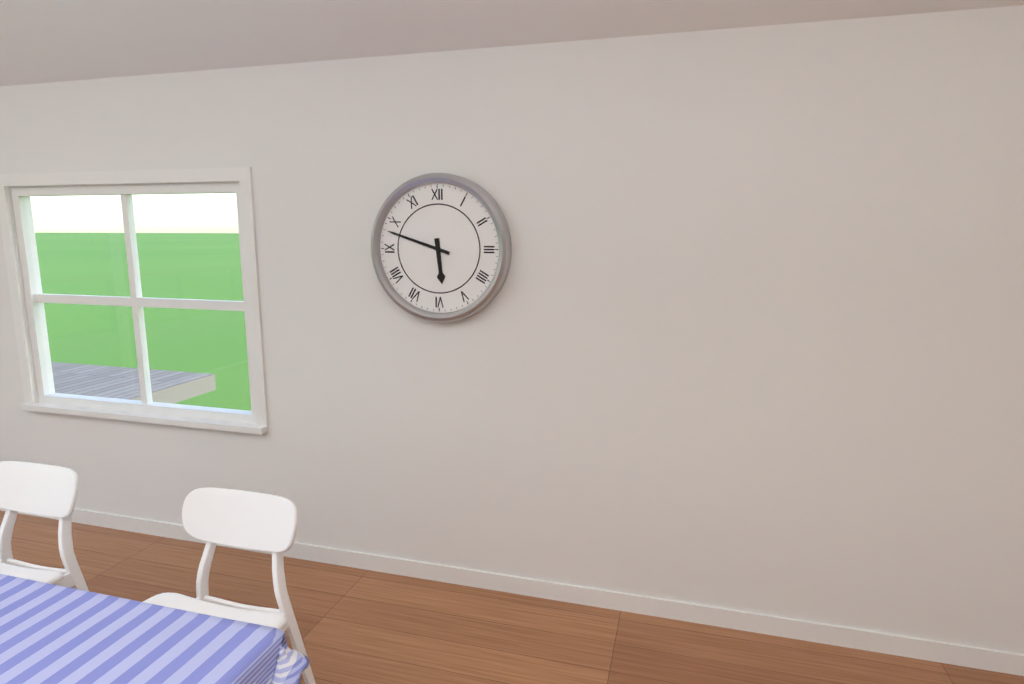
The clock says 5.48
